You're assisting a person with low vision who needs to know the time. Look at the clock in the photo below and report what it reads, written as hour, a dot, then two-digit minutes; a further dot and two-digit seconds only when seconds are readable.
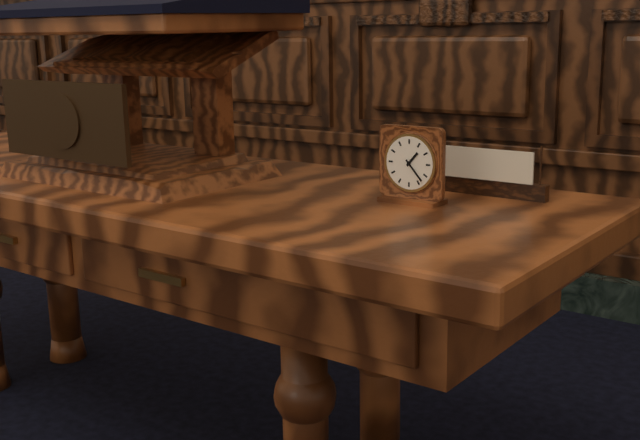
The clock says 1.23
